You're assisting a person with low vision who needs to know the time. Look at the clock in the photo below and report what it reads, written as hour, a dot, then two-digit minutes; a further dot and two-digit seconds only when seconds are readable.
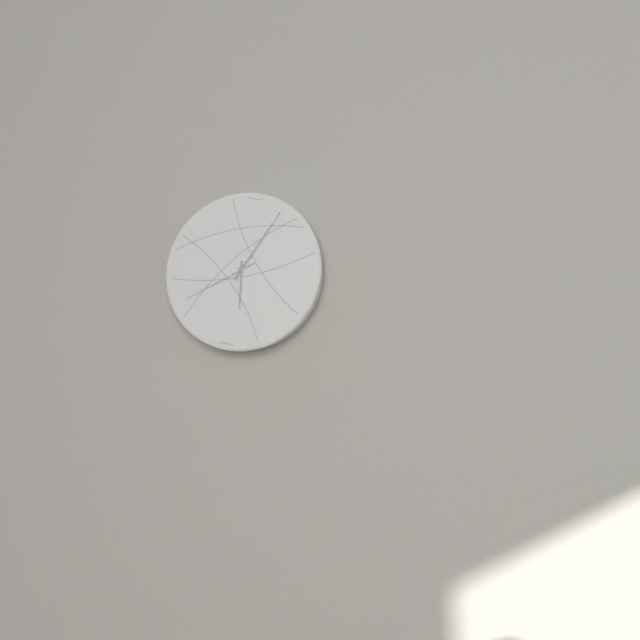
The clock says 6.06.41
